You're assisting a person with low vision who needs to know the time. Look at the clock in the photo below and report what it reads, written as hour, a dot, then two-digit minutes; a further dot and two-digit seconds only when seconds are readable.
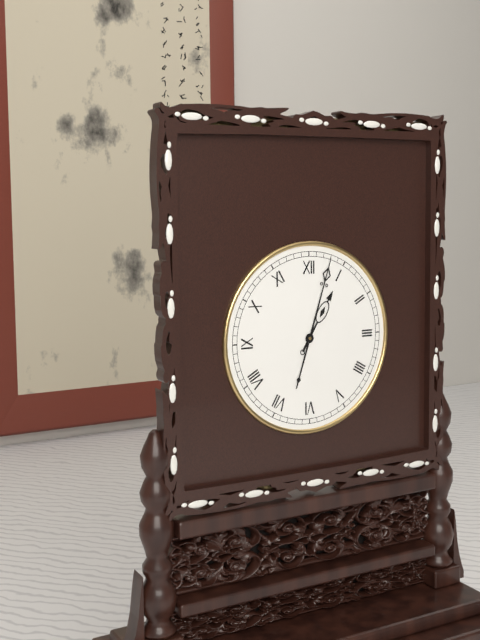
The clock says 1.03
